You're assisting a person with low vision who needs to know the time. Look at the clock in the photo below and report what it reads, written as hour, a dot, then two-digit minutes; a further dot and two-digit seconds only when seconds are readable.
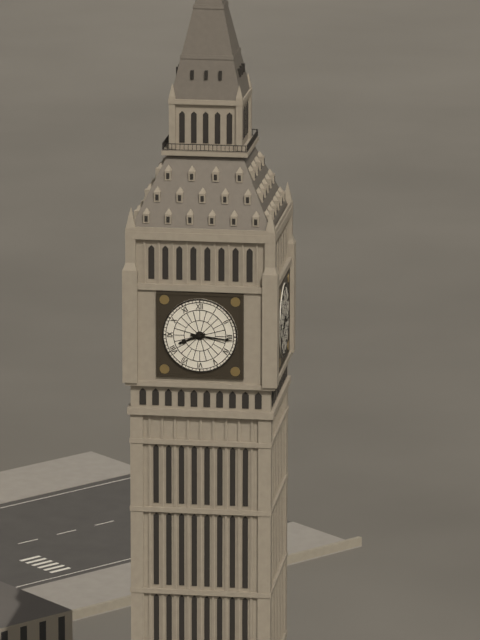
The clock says 8.16
